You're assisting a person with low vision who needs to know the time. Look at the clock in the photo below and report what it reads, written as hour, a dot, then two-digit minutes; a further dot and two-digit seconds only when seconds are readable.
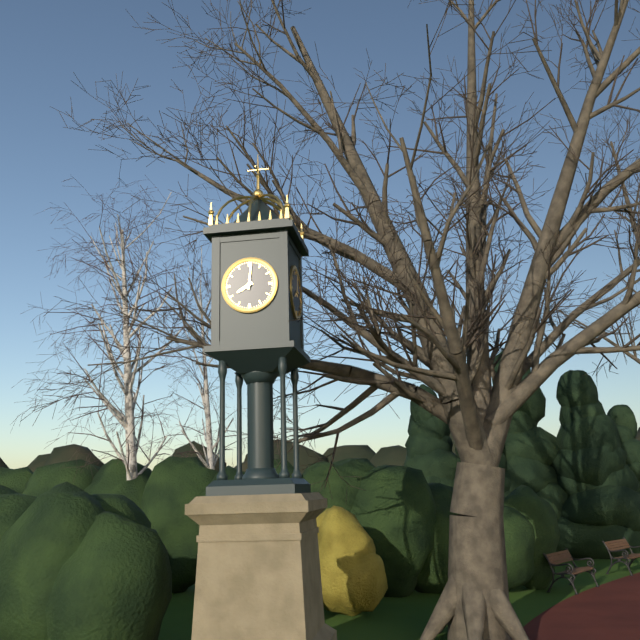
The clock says 8.01
